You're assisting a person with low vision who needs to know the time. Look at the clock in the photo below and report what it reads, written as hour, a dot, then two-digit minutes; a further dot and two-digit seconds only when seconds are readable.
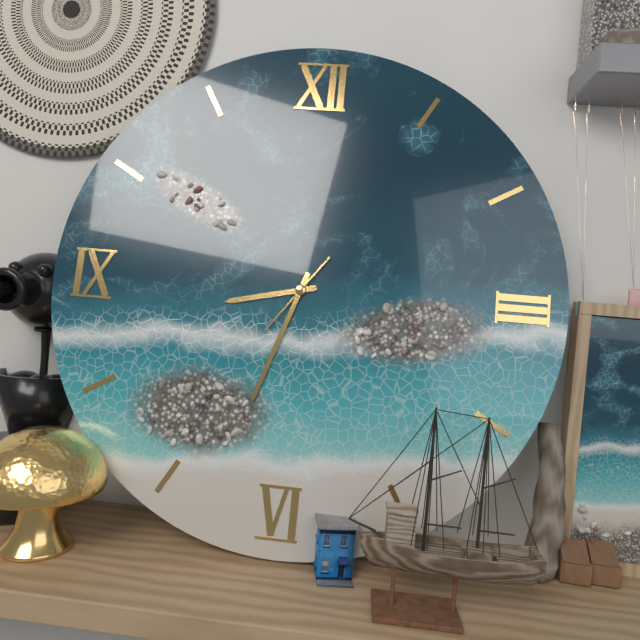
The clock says 8.33.36
